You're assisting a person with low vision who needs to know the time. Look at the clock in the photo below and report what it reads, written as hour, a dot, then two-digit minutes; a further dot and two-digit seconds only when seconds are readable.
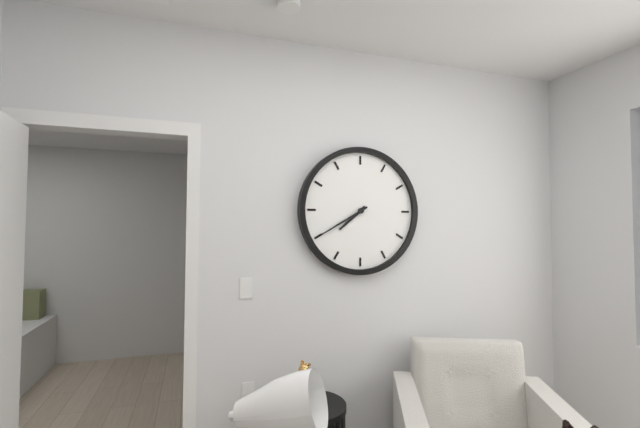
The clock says 7.40
